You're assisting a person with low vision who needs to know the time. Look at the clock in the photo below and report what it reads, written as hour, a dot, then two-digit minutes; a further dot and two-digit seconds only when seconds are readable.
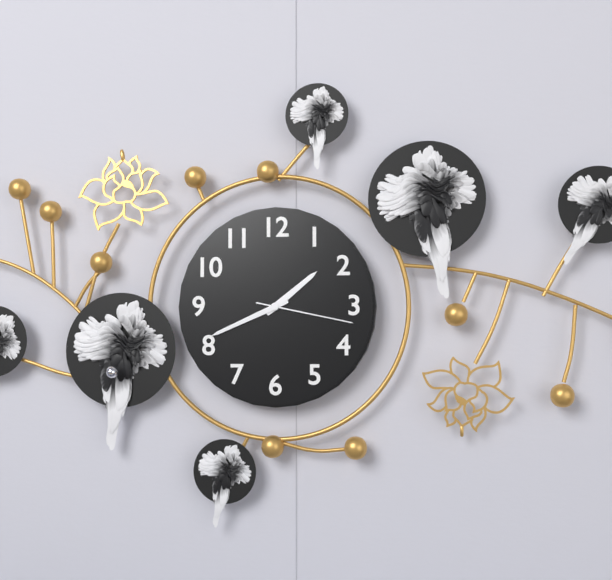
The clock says 1.41.17
